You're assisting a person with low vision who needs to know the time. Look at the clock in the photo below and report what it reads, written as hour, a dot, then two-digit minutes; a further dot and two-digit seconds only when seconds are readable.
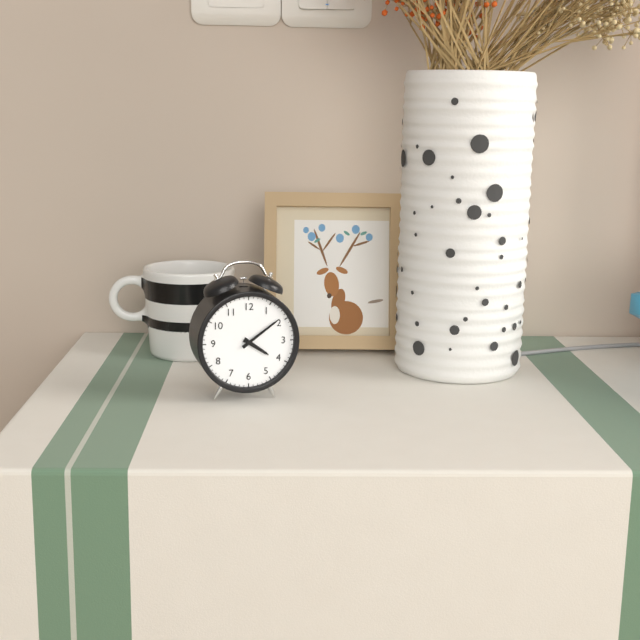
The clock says 4.09
